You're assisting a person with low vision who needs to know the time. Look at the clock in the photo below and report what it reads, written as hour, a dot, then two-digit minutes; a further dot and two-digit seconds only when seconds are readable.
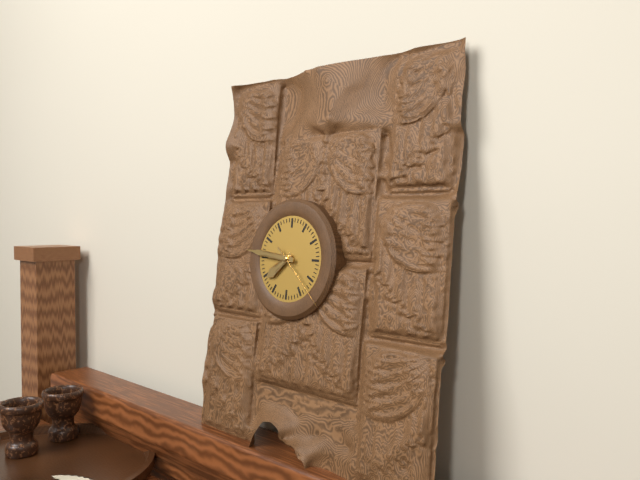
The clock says 7.46.22
